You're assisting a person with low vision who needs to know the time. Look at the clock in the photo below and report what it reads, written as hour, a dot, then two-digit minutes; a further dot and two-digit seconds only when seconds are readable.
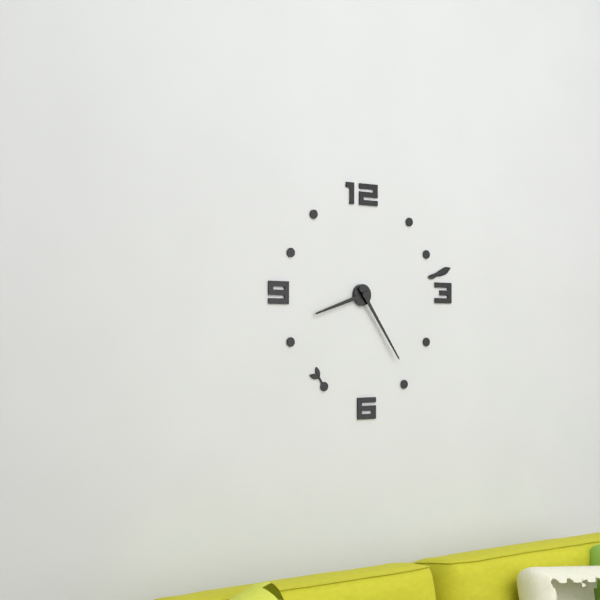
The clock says 8.24
